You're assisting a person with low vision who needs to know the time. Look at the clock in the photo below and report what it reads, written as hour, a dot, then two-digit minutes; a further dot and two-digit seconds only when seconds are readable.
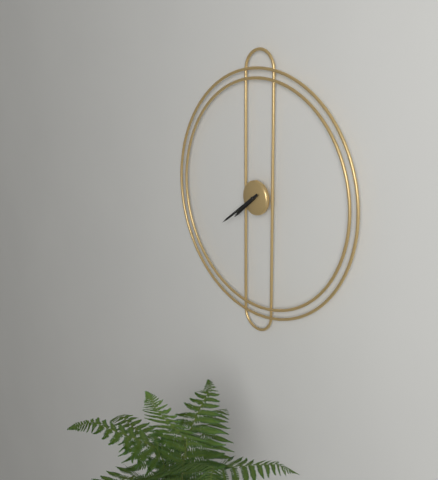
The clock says 7.39
